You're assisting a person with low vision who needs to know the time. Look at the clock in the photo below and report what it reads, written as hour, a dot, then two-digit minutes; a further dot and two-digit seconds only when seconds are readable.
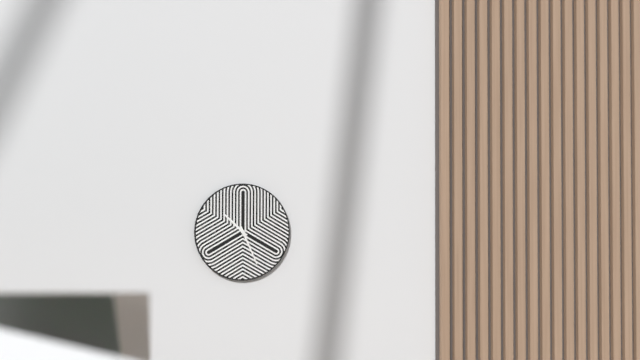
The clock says 10.26
